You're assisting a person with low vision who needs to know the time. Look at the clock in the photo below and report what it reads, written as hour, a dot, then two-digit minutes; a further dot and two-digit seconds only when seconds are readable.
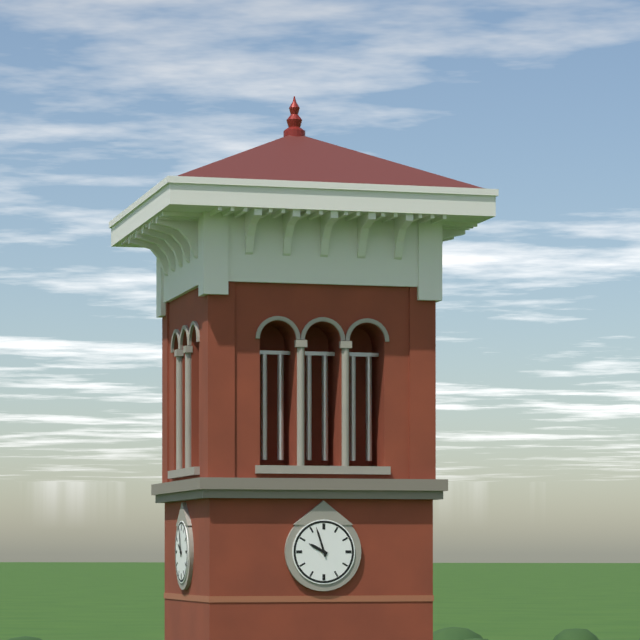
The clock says 9.57
